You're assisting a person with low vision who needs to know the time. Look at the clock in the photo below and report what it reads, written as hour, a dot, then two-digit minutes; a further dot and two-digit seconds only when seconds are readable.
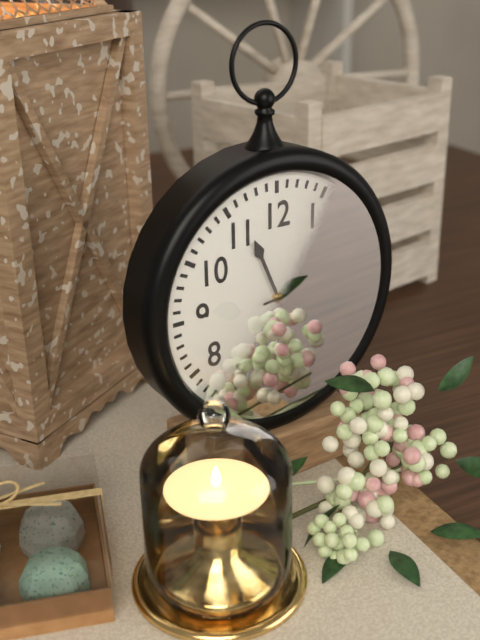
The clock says 11.14
